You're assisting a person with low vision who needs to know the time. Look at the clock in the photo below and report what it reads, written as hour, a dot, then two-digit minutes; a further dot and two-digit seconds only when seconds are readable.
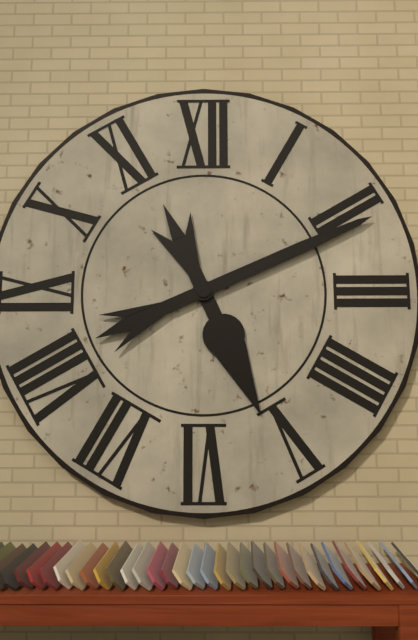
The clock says 5.11
